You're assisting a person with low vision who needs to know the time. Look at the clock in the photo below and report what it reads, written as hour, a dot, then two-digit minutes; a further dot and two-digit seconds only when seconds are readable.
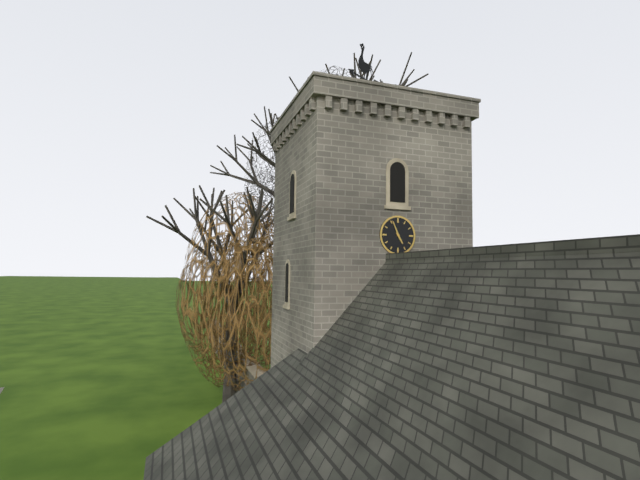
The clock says 4.56
